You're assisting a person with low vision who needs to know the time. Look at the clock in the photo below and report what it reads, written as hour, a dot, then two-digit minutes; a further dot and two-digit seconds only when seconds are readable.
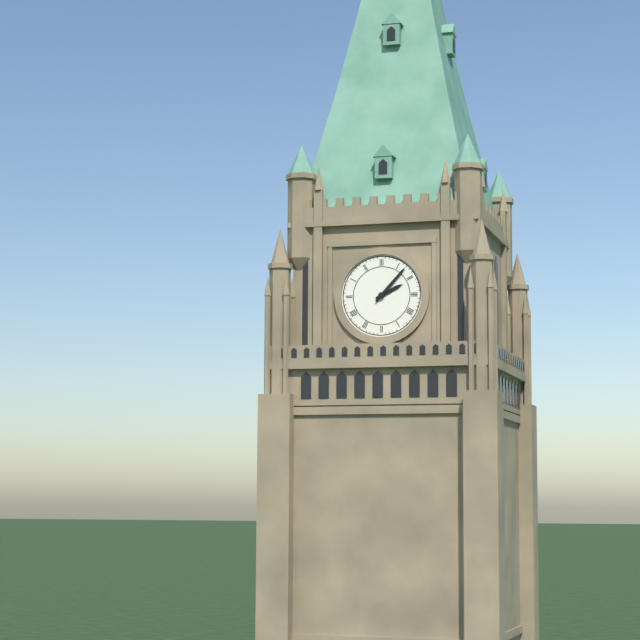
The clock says 2.07
